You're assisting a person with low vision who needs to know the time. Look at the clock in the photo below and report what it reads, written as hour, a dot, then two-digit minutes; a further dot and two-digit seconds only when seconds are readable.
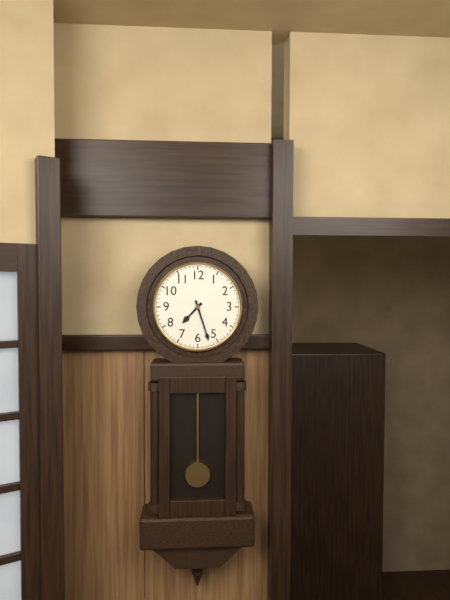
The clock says 7.27
